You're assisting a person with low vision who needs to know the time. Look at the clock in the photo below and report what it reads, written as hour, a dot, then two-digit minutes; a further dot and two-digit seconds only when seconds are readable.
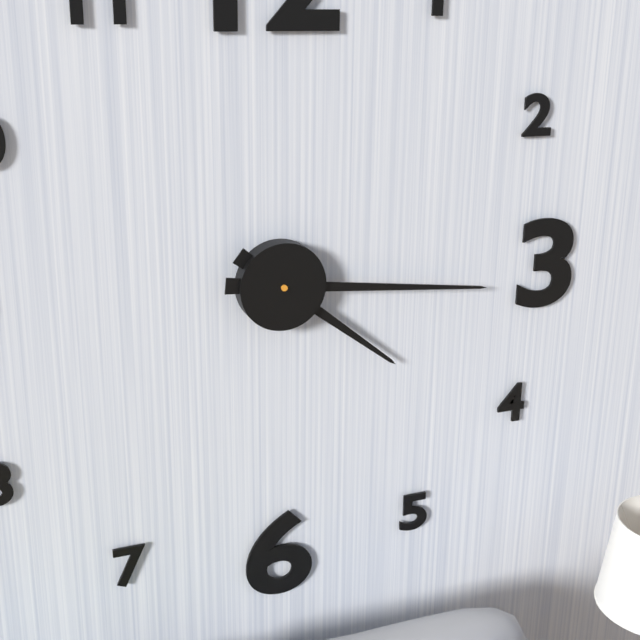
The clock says 4.16
